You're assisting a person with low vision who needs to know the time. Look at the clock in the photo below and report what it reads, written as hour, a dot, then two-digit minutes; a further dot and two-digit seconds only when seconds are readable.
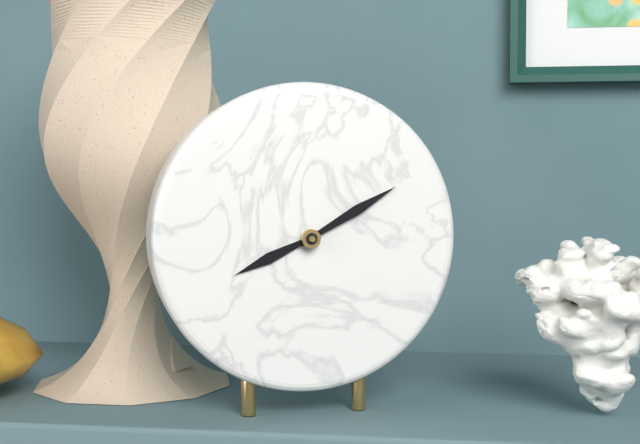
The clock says 8.10
